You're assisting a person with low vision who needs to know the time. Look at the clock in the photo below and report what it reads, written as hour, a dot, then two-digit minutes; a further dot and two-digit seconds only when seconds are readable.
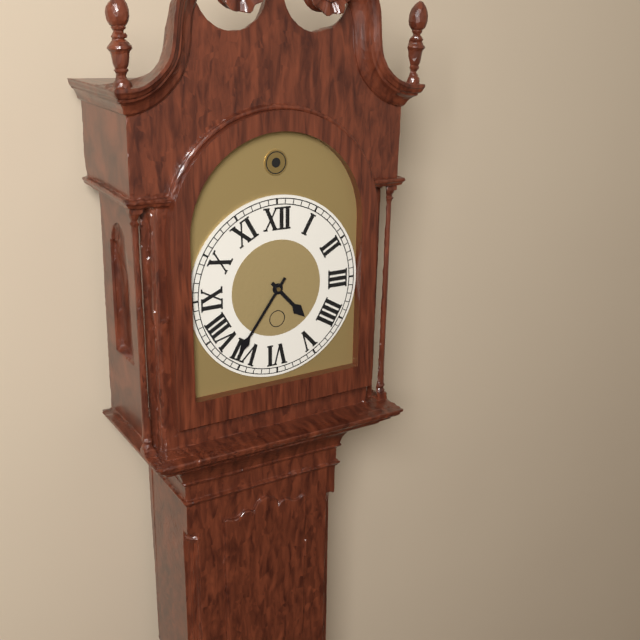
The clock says 4.36
